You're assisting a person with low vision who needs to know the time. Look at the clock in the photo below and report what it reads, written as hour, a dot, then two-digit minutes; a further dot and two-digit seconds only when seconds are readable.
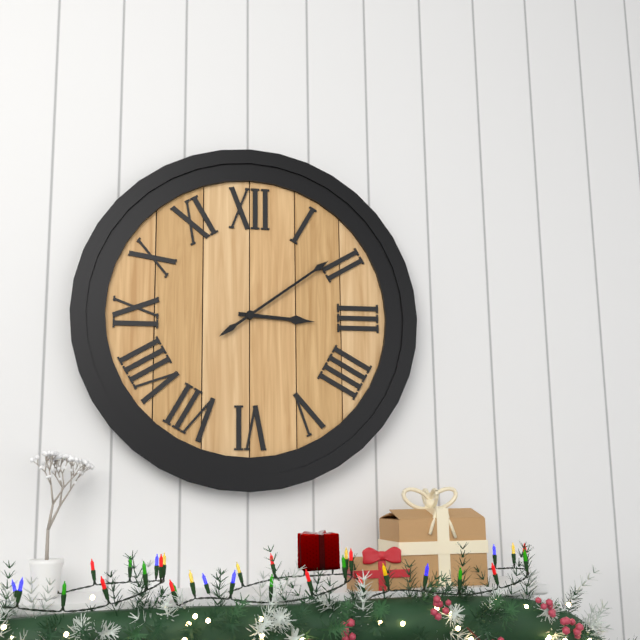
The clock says 3.09
